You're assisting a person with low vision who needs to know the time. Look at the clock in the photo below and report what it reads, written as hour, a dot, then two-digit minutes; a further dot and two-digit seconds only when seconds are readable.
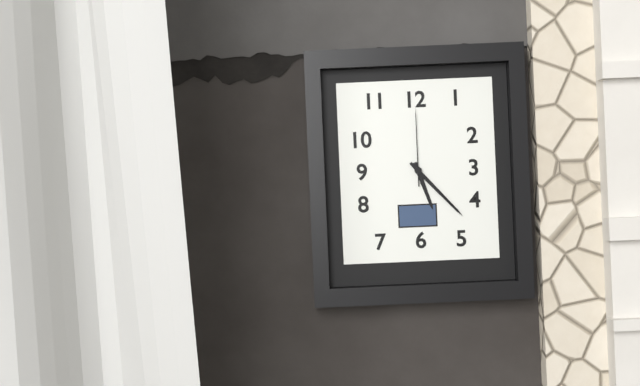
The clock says 5.23.00
